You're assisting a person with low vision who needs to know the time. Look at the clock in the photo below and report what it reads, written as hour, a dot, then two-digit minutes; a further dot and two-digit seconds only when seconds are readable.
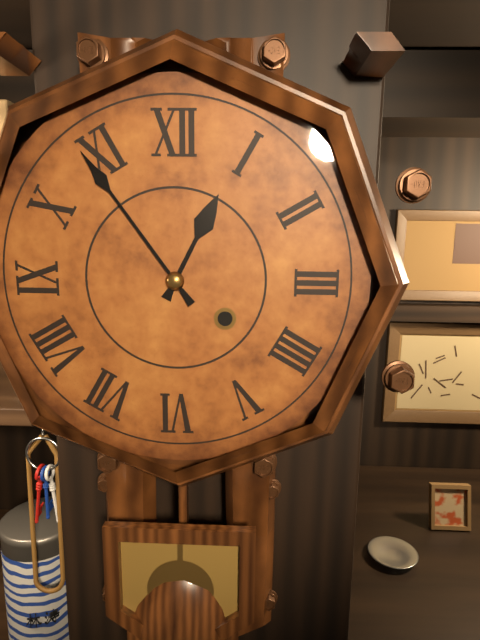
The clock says 12.54
